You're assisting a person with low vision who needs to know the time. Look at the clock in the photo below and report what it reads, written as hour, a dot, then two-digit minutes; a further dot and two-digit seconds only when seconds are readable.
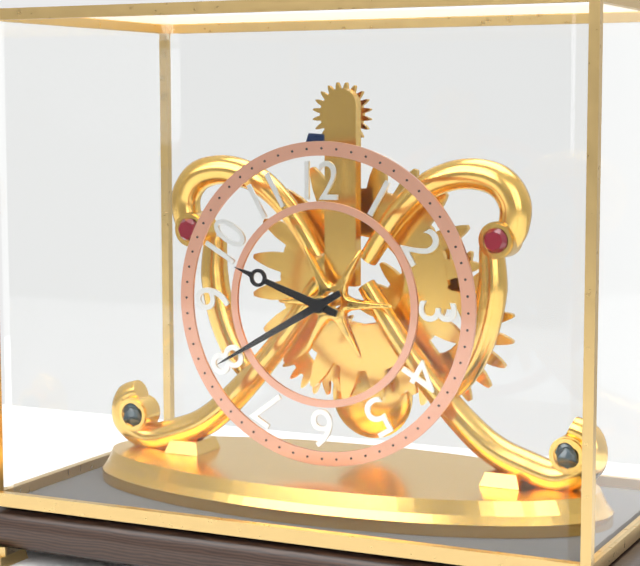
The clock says 9.40
